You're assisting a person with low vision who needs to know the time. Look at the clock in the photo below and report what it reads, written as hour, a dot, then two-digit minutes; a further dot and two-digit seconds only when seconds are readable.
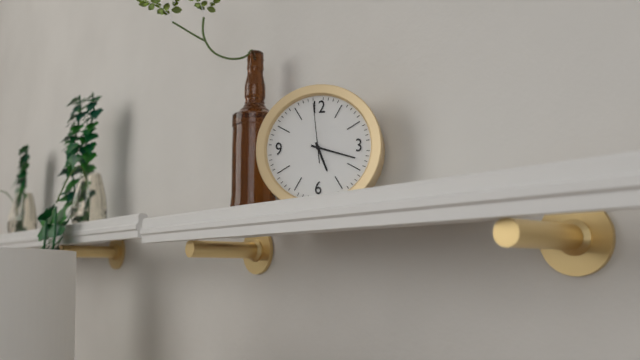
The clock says 5.18.59
